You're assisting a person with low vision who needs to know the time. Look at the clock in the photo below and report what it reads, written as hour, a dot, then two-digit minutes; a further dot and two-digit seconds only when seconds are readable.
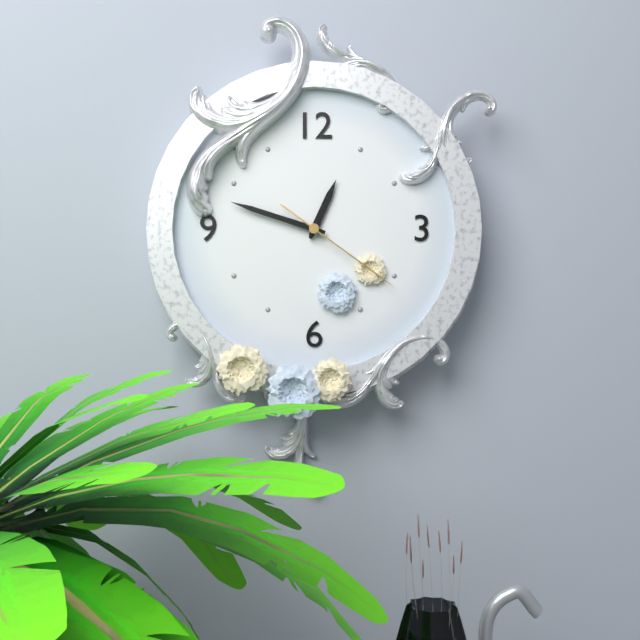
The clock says 12.48.21
